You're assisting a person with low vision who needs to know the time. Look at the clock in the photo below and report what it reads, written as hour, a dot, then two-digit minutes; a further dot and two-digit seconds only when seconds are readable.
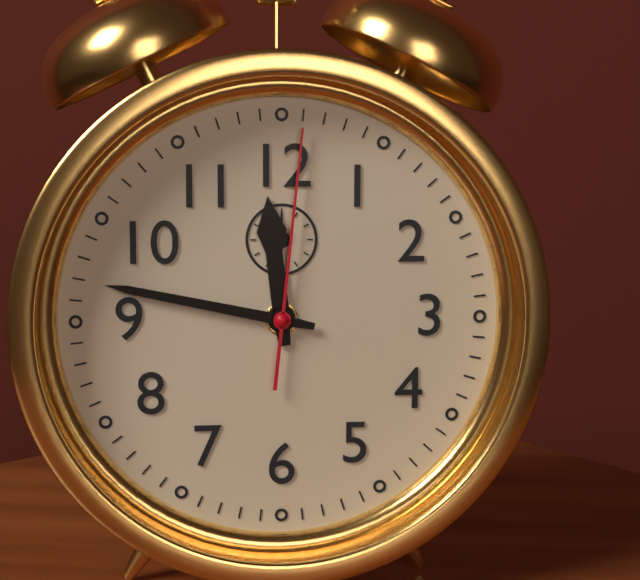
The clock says 11.47.01
